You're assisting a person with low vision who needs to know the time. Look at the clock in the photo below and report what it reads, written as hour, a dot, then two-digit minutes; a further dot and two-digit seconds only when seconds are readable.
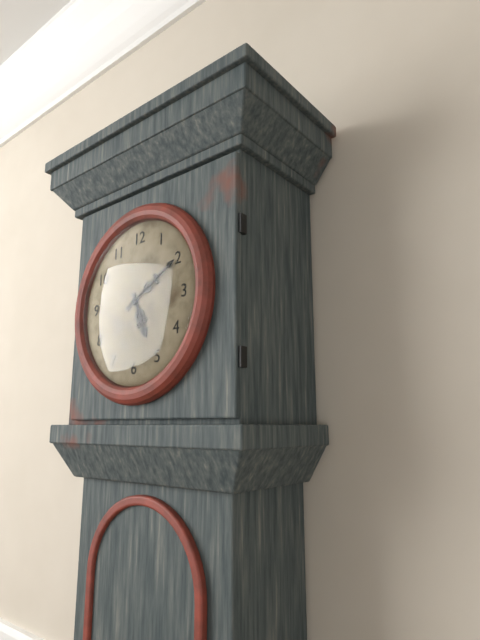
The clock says 5.10
